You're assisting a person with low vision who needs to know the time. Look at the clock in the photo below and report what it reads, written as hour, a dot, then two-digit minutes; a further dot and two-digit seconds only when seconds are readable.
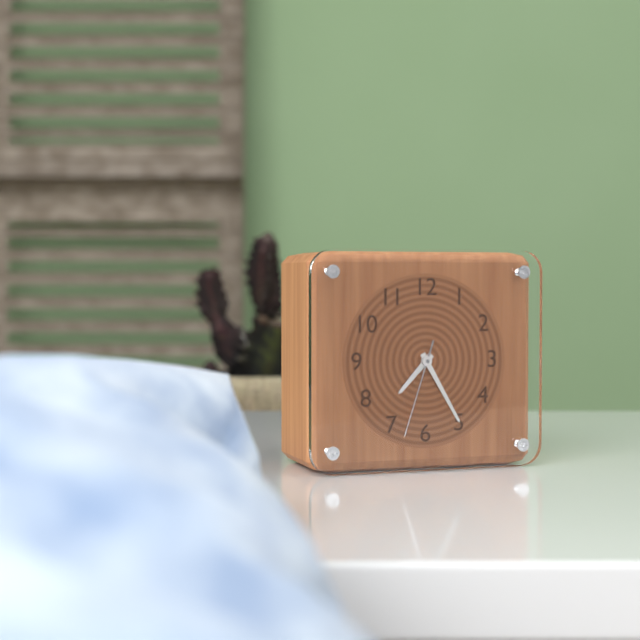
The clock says 7.25.33
